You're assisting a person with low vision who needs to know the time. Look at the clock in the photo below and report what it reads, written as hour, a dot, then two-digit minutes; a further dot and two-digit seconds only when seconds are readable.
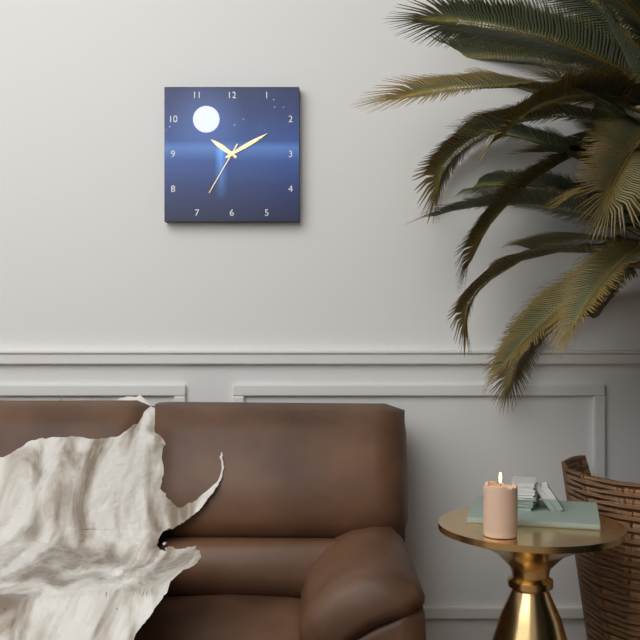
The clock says 10.10.35
